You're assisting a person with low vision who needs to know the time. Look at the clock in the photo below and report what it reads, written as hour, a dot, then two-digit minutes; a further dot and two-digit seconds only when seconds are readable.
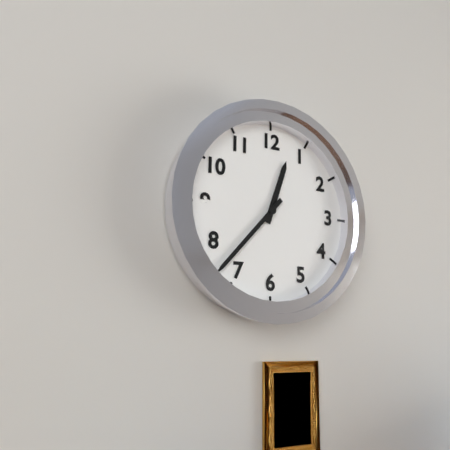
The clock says 12.37
